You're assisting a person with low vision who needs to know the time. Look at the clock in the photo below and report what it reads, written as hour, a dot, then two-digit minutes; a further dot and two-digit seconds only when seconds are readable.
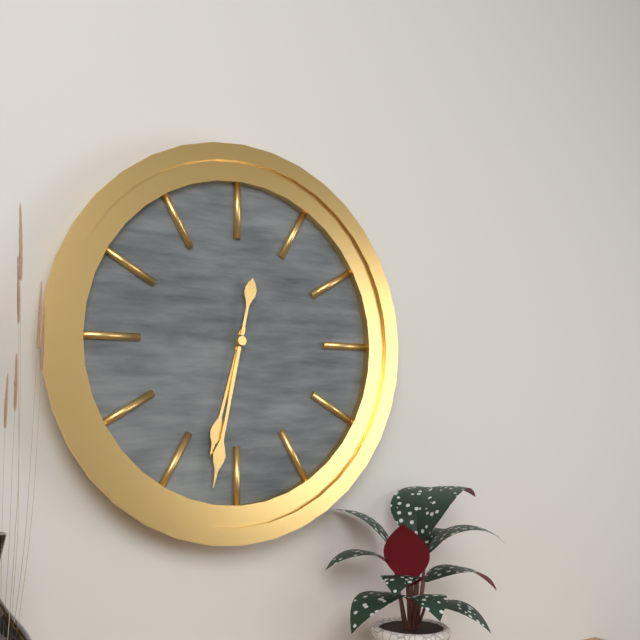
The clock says 6.32
